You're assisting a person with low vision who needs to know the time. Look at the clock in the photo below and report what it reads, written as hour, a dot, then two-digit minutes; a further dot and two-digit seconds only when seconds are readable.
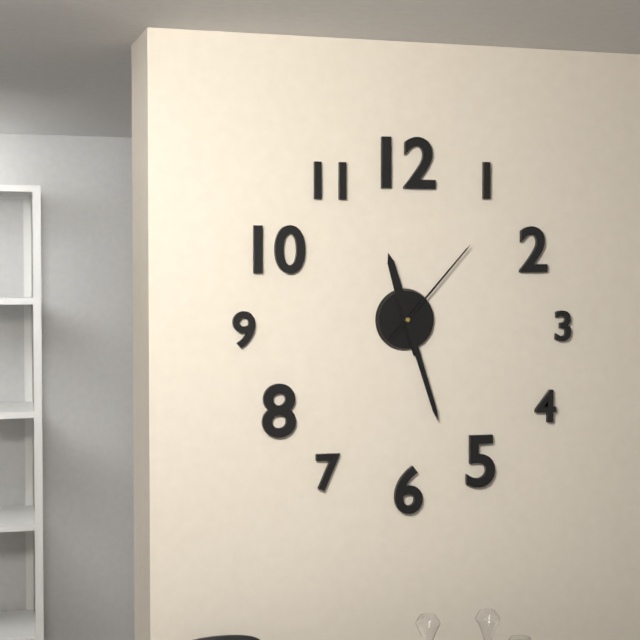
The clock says 11.27.07
